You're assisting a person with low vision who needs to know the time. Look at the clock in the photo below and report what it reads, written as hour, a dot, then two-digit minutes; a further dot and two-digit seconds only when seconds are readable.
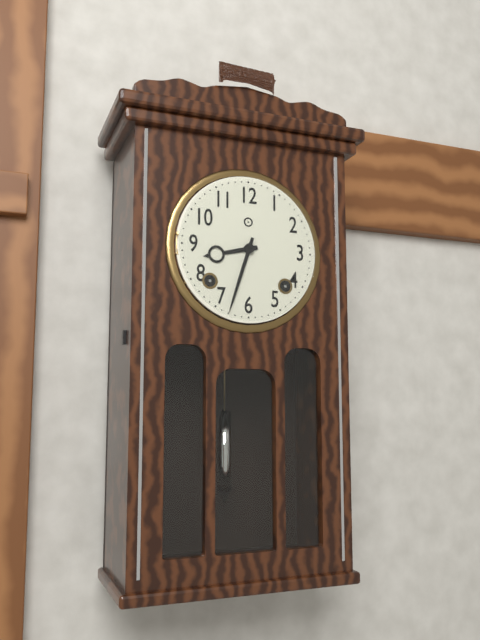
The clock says 8.33
